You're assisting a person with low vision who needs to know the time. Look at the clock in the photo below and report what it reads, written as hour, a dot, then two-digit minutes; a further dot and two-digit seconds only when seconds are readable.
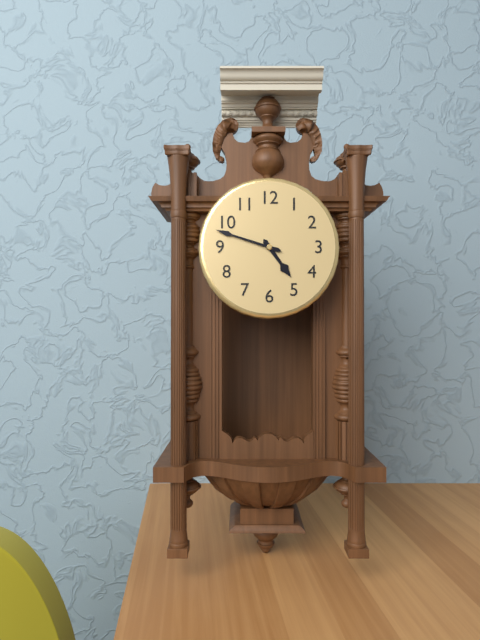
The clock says 4.48
